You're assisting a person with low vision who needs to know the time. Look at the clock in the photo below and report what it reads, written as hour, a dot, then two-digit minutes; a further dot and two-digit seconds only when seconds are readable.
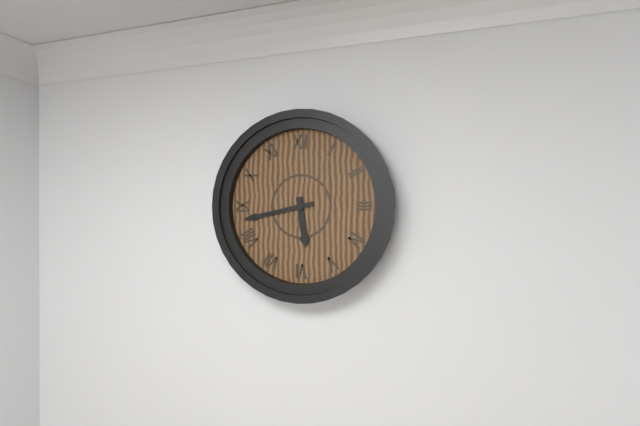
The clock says 5.43
